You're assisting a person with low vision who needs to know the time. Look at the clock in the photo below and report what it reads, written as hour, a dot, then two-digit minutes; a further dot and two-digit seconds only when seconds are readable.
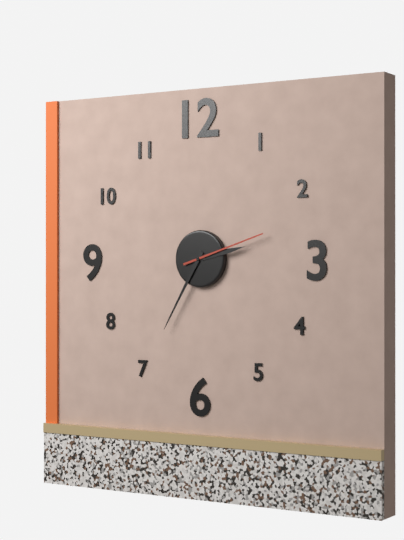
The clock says 2.35.12
